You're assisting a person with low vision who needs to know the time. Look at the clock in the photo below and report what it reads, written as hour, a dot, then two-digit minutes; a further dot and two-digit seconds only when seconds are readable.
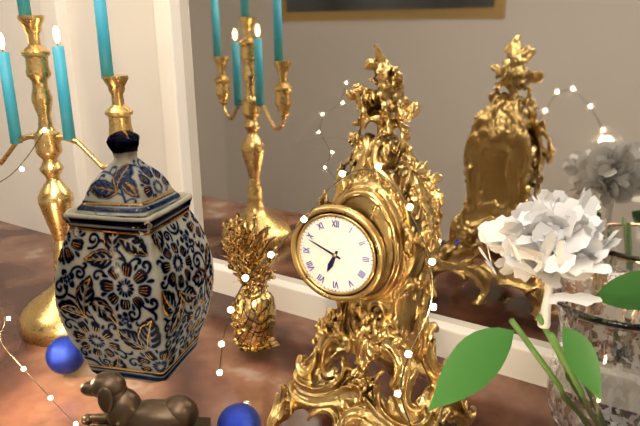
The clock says 6.49
